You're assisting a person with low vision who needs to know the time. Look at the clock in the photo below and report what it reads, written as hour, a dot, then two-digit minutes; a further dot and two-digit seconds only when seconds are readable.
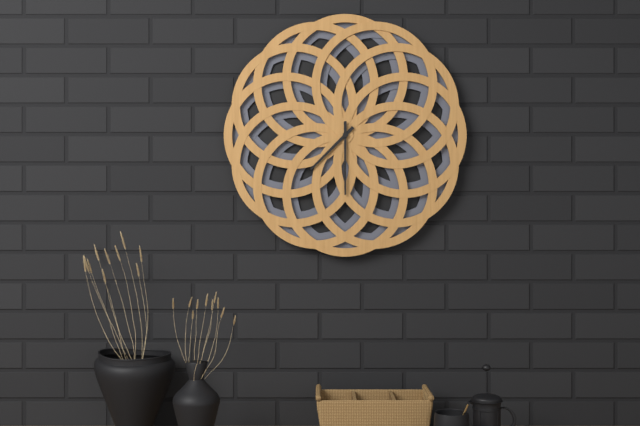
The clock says 7.30
